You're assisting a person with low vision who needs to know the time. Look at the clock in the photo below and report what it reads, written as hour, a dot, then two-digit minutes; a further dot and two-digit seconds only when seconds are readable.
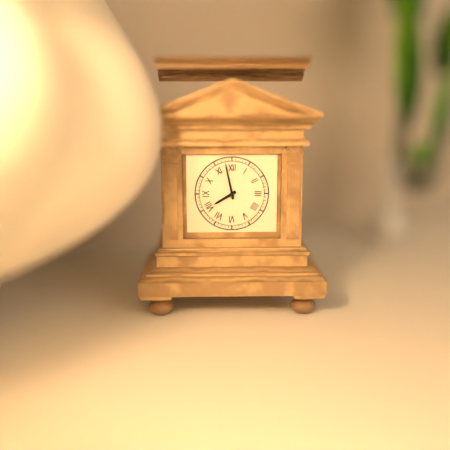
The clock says 7.58
